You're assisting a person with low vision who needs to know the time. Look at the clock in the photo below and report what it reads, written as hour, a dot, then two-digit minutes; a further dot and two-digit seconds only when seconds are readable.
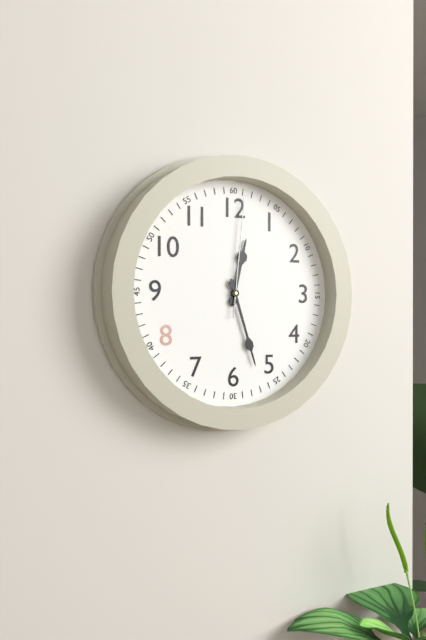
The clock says 12.27.01
